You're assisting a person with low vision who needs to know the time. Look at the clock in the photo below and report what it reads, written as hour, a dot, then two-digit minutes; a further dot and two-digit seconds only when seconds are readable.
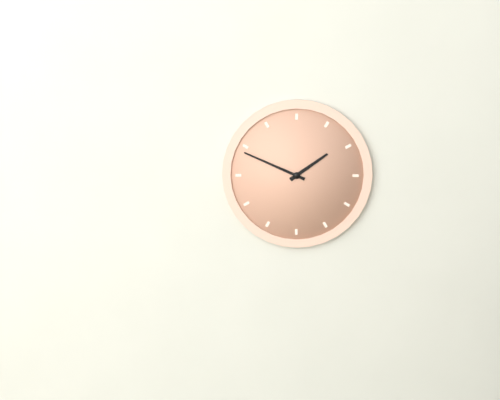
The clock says 1.49
